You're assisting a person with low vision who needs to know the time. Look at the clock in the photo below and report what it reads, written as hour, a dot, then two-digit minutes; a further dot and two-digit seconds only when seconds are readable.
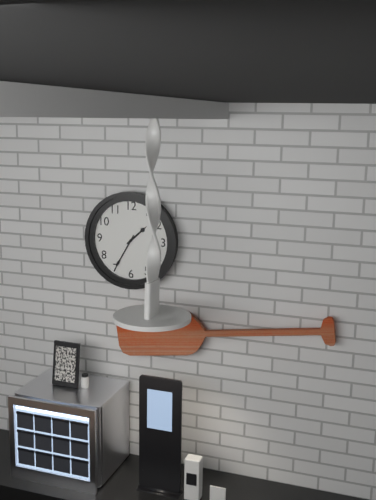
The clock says 1.35
